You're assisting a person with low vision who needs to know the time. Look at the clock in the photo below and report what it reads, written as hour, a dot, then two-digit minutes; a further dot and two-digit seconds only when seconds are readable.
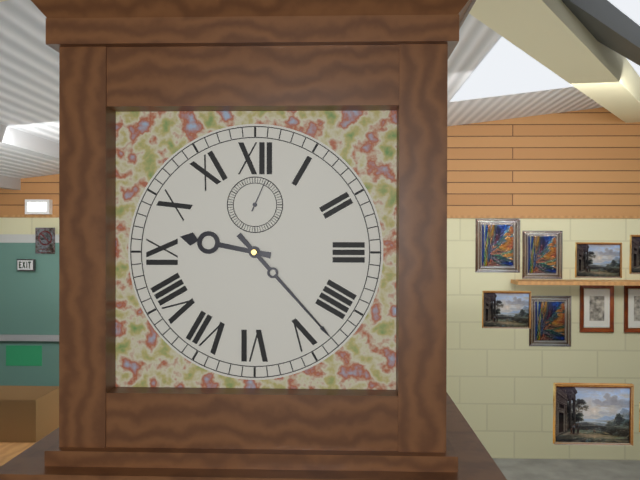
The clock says 9.23
